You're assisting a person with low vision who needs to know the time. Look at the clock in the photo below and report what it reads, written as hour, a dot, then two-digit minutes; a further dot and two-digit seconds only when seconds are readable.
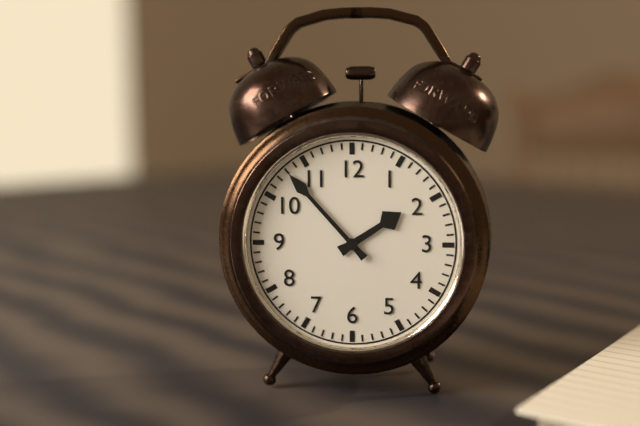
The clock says 1.53
